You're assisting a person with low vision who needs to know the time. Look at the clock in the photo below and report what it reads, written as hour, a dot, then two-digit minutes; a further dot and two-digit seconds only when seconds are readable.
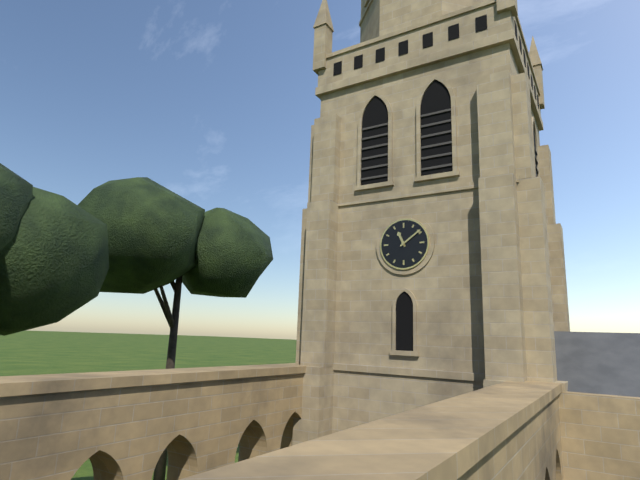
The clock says 11.09
